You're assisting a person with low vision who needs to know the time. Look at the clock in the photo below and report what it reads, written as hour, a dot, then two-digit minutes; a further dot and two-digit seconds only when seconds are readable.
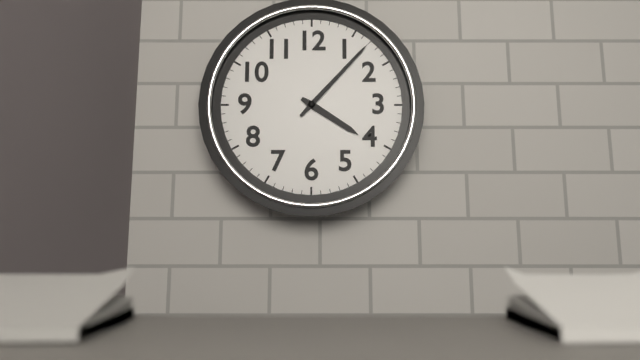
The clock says 4.07
